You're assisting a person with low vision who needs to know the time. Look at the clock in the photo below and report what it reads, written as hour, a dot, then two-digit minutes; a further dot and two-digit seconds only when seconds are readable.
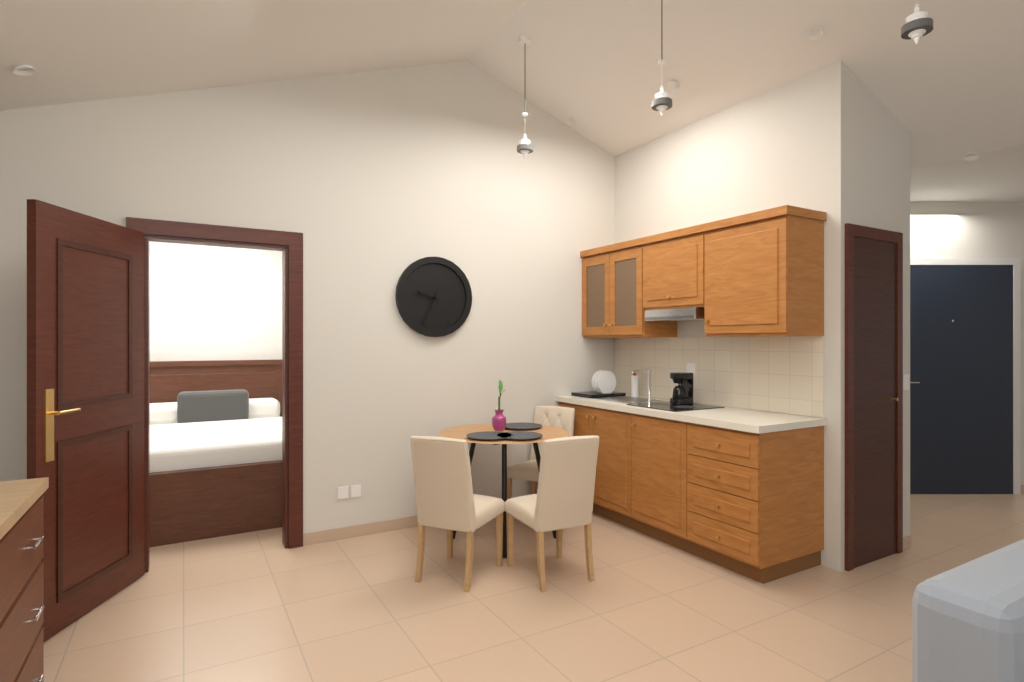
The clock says 9.34
